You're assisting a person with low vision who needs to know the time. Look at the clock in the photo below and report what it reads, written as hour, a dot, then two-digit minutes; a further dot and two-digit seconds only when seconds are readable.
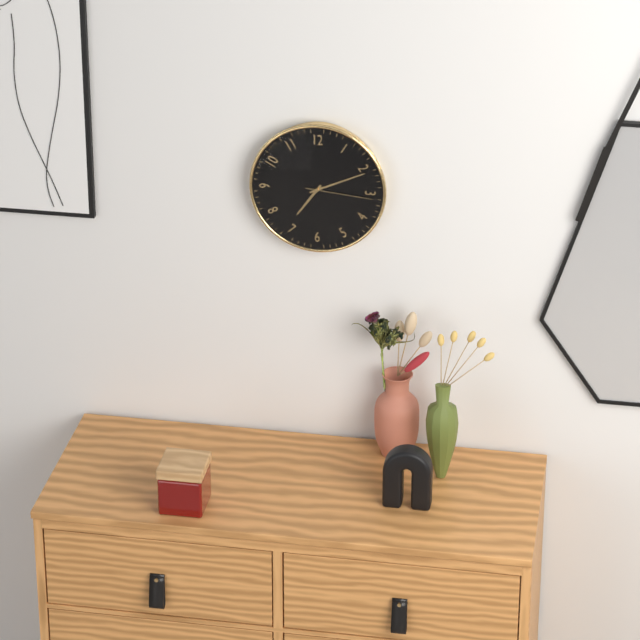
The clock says 7.11.16
